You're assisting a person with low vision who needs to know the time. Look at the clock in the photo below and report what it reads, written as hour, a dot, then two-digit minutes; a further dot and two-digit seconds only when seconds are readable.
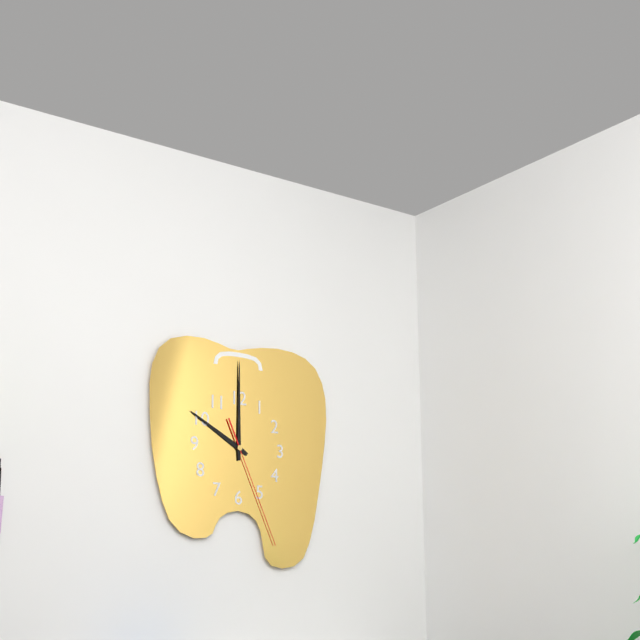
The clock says 10.00.26
